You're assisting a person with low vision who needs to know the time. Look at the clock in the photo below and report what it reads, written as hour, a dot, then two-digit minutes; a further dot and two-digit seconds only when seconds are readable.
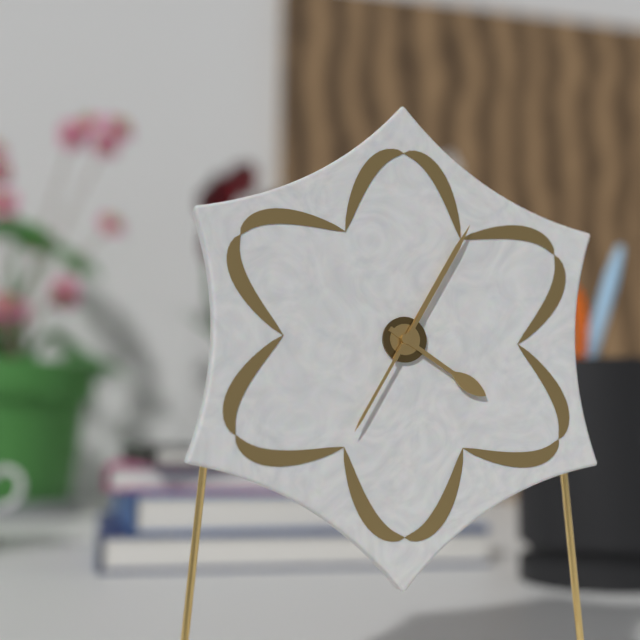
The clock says 4.05.35
